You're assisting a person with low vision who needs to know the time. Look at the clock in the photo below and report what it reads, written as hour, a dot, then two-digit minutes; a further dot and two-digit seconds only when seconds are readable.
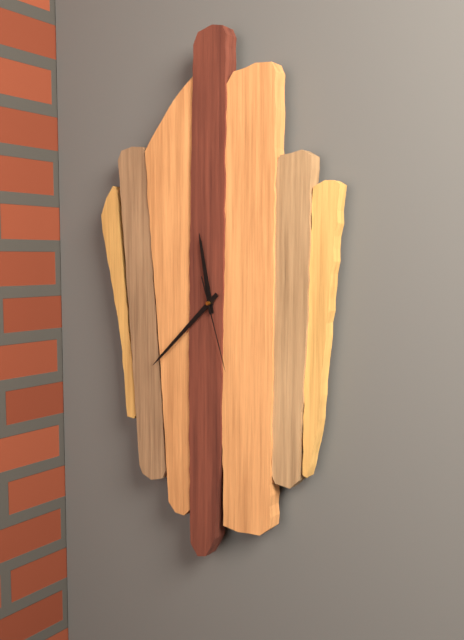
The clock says 11.38.27
